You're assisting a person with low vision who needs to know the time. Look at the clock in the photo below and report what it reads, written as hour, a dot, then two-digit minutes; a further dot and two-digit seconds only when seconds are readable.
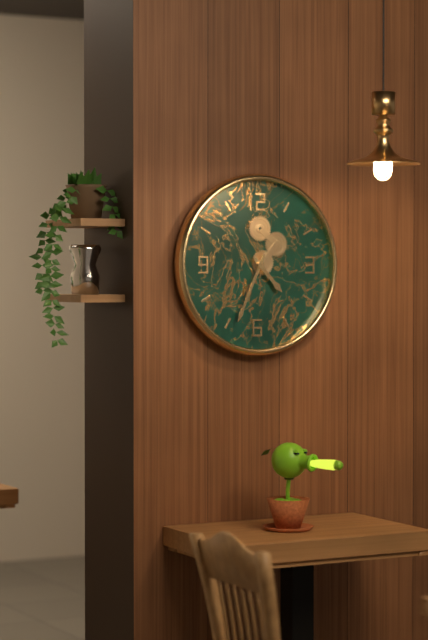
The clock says 4.34
